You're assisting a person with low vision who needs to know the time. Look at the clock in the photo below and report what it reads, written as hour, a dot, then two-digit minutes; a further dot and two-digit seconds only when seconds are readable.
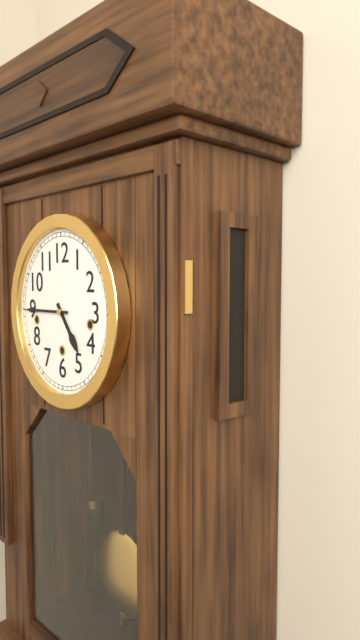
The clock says 4.45
